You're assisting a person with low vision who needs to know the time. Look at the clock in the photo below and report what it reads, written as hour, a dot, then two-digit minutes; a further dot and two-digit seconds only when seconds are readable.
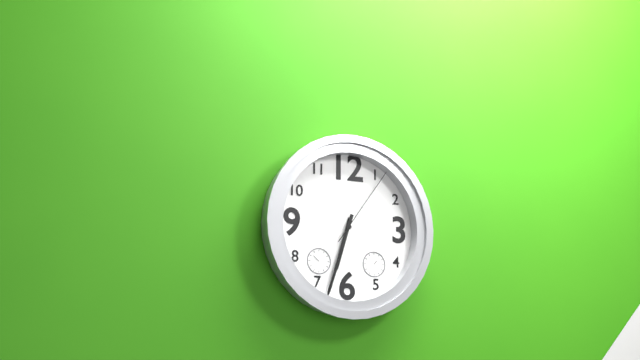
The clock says 6.33.06
